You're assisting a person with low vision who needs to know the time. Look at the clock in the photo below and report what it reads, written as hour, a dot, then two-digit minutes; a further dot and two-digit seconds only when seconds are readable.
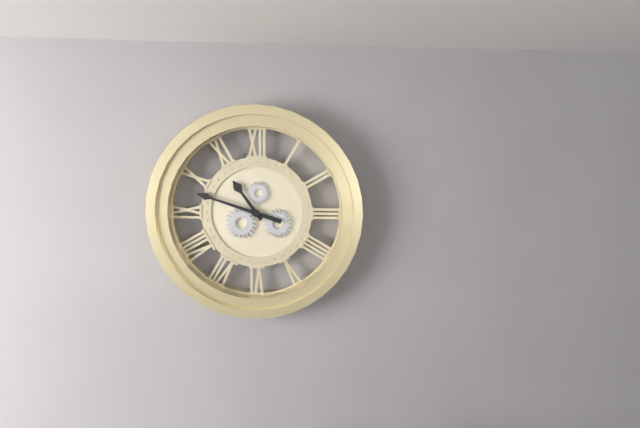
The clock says 10.48
